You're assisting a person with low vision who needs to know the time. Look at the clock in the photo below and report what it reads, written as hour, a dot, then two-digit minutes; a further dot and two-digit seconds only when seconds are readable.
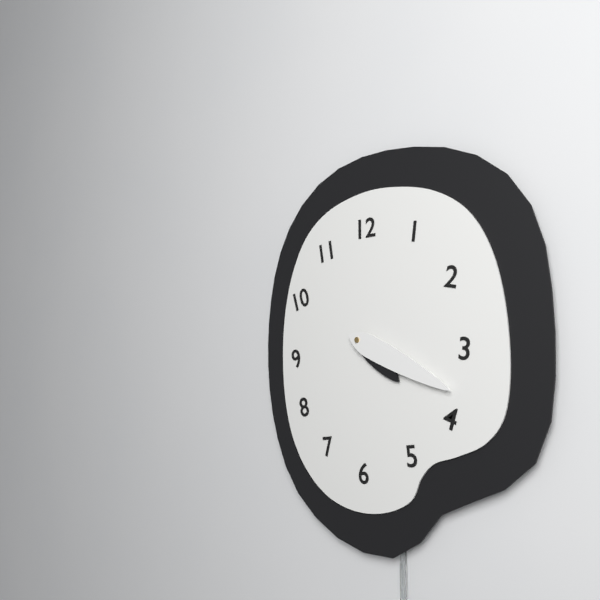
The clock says 4.19
